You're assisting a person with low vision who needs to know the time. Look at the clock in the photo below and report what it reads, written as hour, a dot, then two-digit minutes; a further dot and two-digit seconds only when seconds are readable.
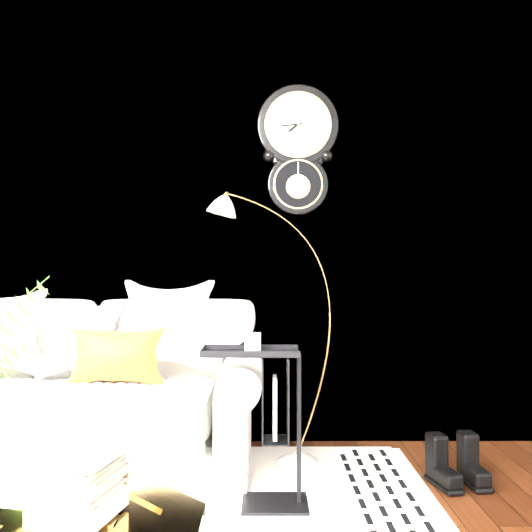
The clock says 7.44
